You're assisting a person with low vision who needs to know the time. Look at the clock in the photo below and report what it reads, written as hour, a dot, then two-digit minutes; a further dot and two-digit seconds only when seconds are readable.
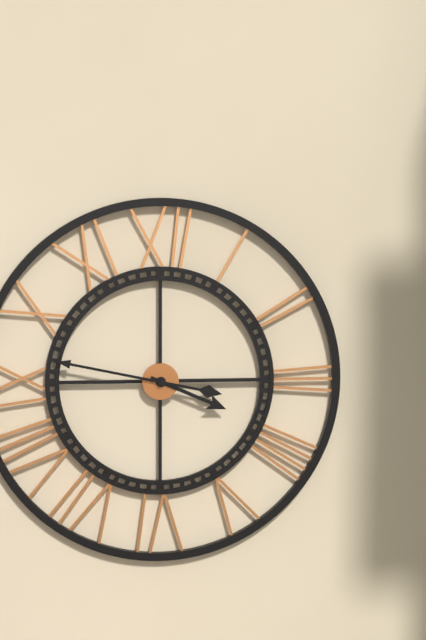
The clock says 3.47
